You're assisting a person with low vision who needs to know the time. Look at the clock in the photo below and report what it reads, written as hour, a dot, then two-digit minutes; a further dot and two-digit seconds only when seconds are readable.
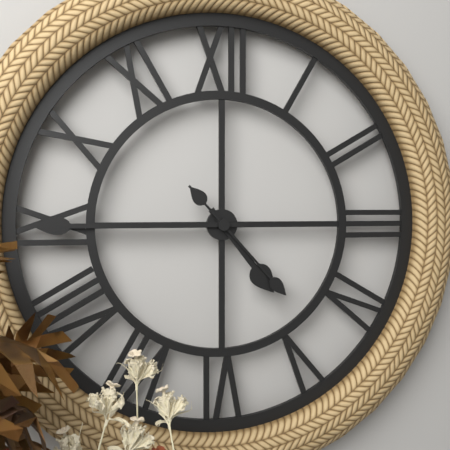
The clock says 4.45.23
